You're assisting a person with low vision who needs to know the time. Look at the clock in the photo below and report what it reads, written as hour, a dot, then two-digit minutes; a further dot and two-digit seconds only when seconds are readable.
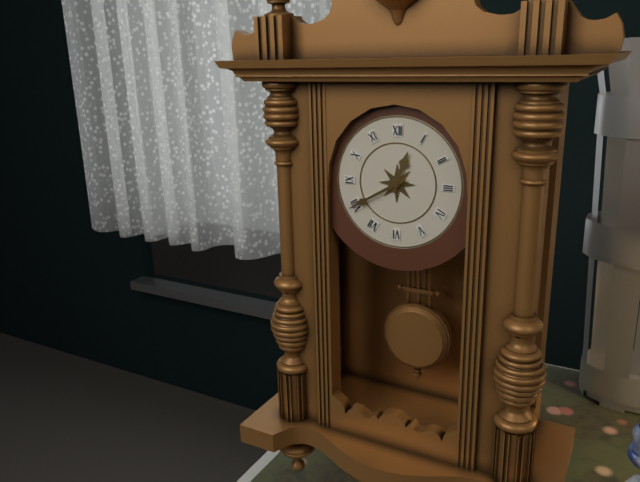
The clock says 12.40
